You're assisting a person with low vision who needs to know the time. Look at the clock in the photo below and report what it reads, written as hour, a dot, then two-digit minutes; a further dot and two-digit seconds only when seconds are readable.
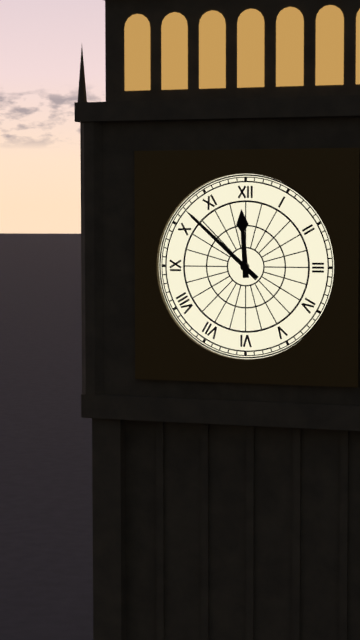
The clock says 11.52
